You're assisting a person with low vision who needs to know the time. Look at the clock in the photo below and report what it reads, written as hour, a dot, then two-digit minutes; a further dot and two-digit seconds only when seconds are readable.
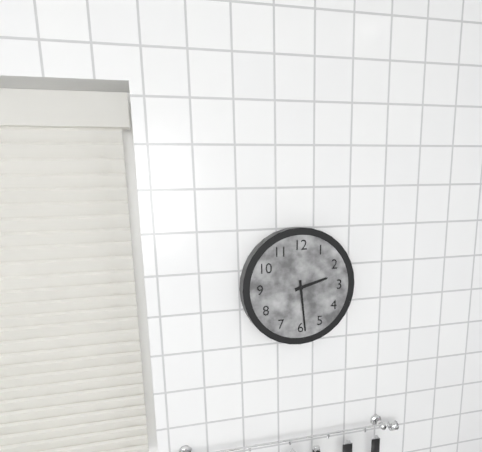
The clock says 2.29
